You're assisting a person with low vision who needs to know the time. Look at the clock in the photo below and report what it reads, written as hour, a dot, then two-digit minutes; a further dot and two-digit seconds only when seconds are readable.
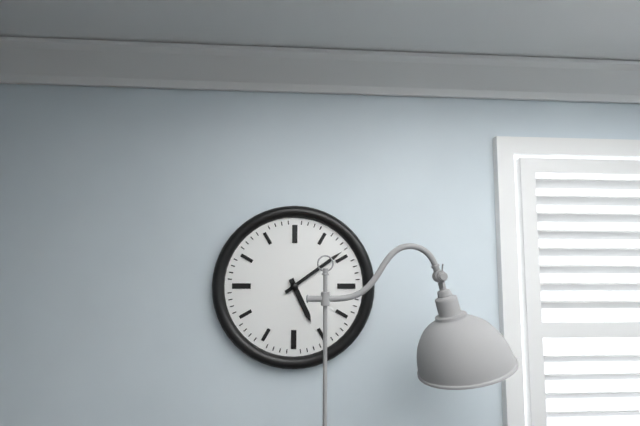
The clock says 5.09
